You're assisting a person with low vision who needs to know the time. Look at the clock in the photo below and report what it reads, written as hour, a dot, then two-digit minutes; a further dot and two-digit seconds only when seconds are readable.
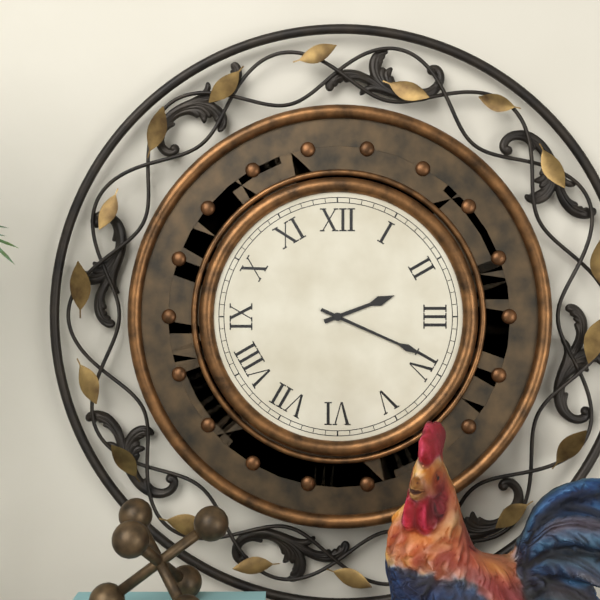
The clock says 2.19
